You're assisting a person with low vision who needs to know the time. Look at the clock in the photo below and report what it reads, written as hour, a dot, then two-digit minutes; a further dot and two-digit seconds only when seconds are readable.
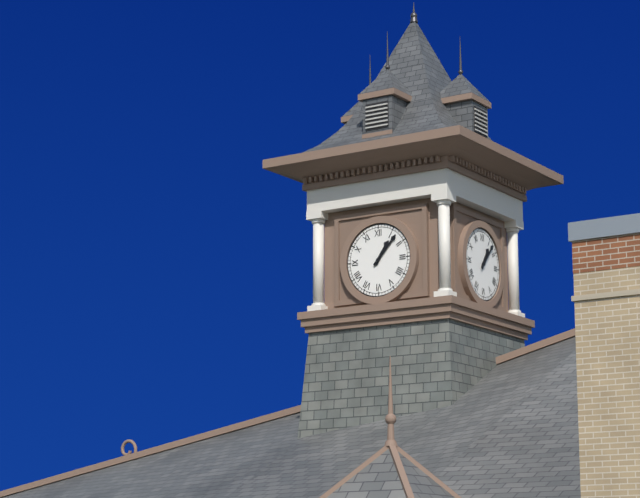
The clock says 1.07
